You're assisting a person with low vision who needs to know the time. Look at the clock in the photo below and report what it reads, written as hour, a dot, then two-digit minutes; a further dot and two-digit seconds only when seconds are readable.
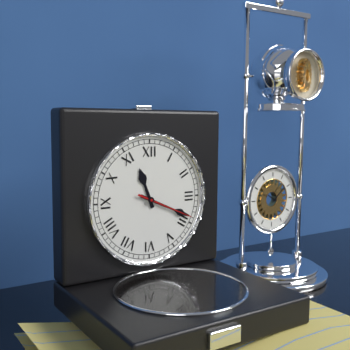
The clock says 11.19.19
